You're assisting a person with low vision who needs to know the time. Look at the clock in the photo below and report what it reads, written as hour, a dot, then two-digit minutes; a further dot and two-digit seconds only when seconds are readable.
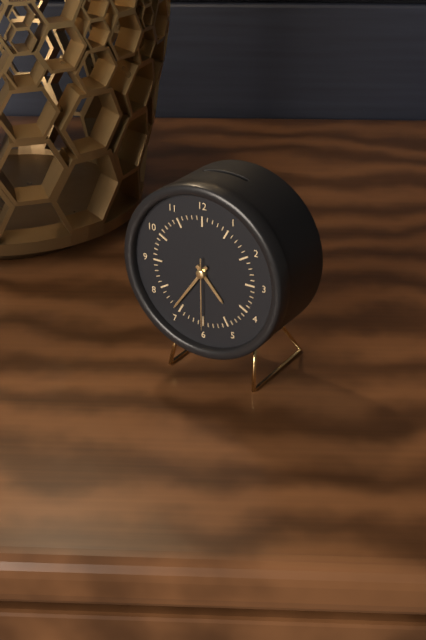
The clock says 4.36.30
